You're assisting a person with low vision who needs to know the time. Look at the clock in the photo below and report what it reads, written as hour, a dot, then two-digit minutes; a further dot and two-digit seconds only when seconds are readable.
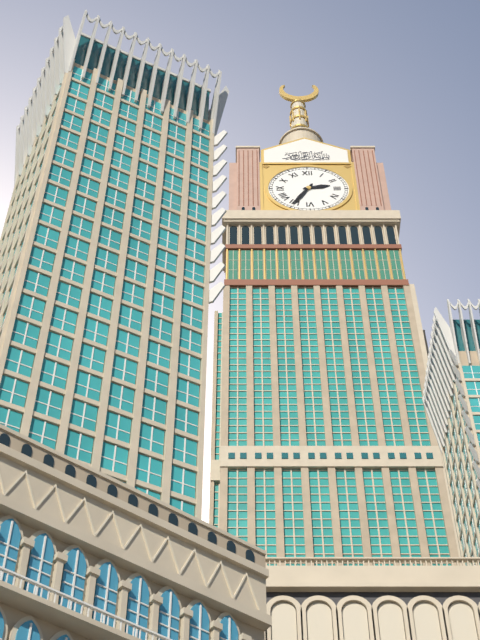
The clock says 2.35
